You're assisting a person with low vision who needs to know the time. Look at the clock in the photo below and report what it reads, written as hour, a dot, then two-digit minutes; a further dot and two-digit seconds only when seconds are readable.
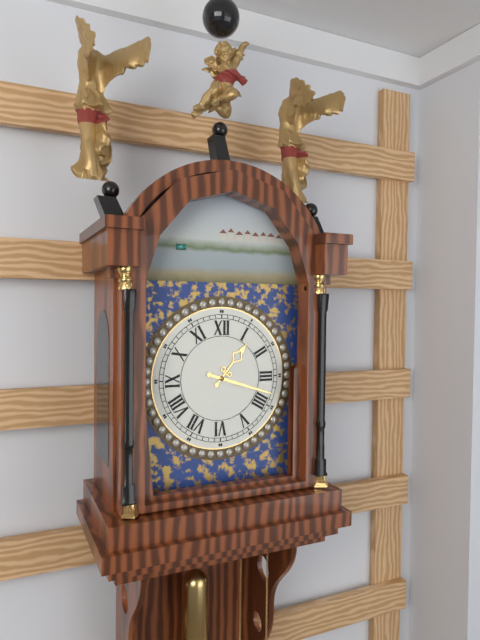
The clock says 1.18
